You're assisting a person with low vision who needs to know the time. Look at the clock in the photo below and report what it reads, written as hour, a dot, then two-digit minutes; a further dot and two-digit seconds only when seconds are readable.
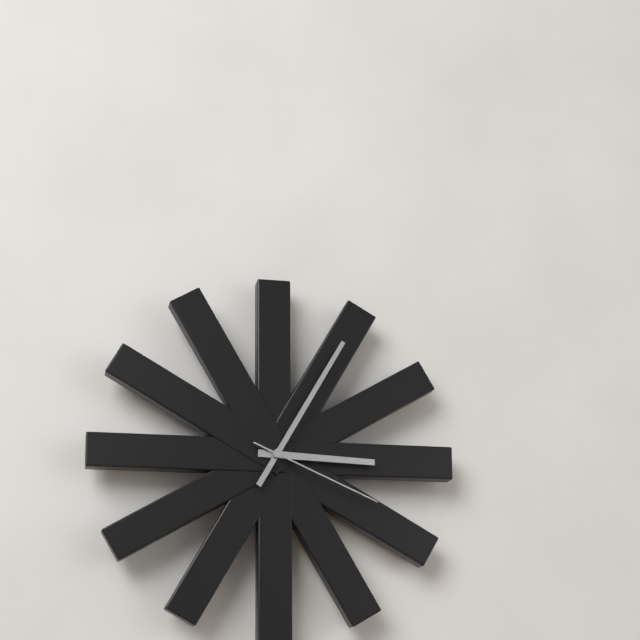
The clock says 3.05.19
